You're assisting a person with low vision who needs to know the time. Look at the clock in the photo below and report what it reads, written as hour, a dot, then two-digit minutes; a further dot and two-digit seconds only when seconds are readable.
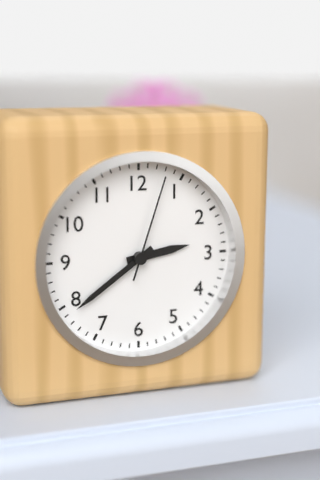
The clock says 2.39.03
